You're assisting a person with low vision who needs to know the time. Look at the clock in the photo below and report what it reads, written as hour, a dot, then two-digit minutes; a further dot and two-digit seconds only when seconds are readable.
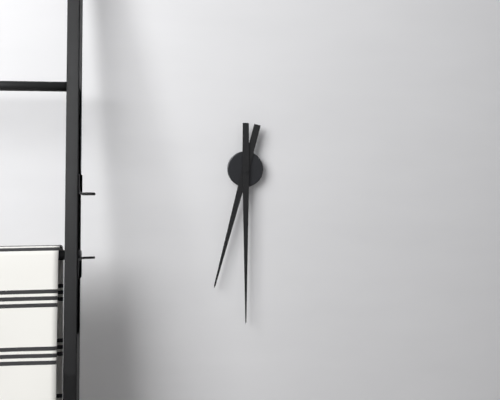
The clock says 6.30
